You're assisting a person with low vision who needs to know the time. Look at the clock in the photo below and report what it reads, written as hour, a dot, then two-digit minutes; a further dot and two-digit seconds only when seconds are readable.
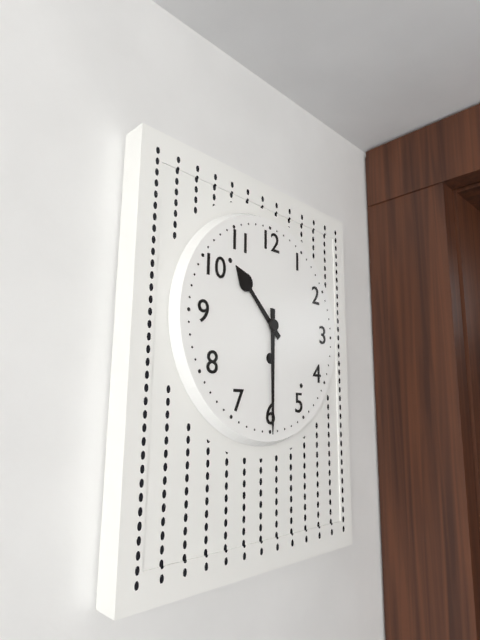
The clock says 10.30
